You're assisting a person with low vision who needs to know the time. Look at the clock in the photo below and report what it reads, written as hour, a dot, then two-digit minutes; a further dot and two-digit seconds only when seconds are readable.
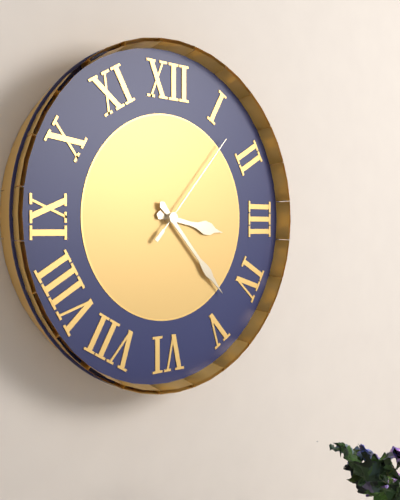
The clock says 3.23.07
